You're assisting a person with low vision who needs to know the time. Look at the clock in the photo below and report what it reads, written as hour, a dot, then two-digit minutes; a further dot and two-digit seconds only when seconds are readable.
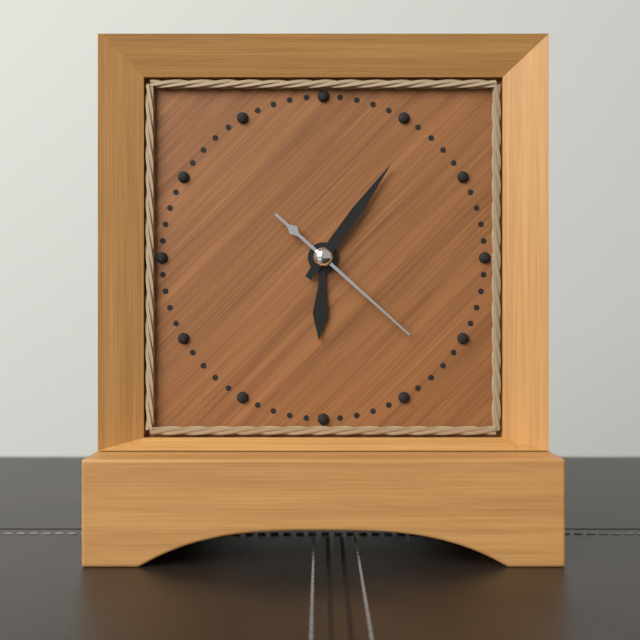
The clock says 6.06.22
